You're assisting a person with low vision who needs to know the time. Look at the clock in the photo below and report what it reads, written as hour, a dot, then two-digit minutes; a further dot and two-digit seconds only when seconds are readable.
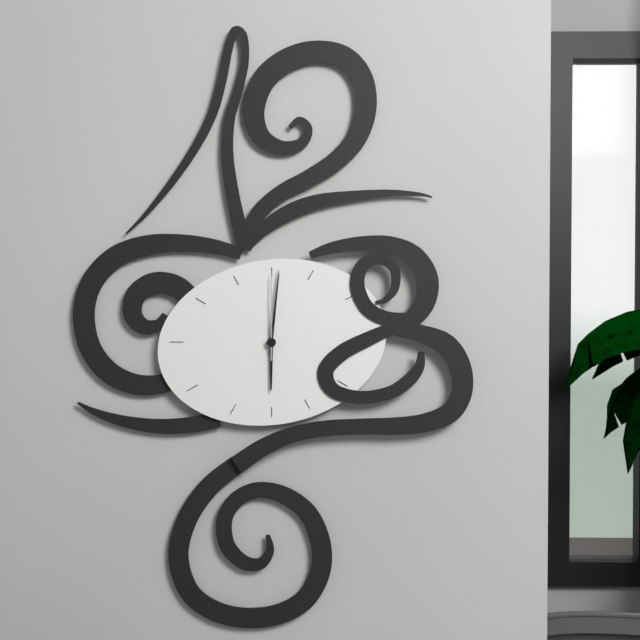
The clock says 6.01.00
